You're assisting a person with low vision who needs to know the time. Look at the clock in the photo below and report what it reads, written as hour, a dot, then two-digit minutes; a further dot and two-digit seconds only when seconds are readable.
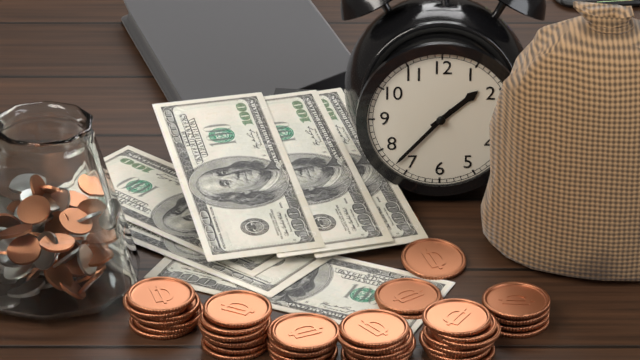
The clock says 1.37
